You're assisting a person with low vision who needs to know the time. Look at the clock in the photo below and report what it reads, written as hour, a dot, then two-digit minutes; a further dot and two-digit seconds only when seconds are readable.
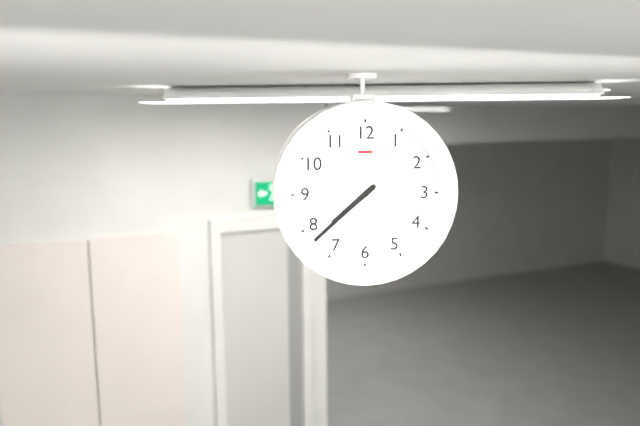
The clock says 7.38
